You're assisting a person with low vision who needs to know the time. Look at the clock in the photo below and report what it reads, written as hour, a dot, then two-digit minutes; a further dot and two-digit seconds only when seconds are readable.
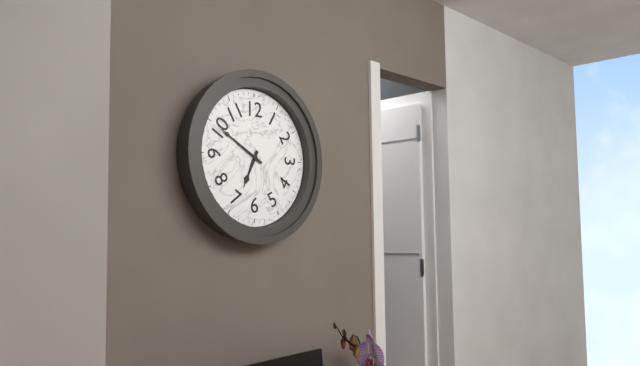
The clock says 6.50
